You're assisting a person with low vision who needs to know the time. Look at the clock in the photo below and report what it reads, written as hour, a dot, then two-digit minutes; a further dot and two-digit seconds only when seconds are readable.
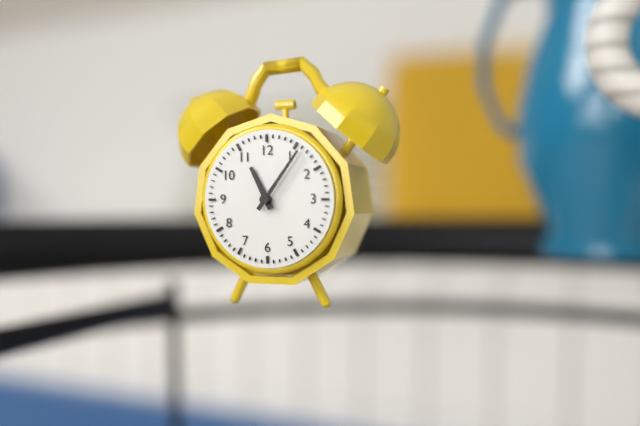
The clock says 11.06
